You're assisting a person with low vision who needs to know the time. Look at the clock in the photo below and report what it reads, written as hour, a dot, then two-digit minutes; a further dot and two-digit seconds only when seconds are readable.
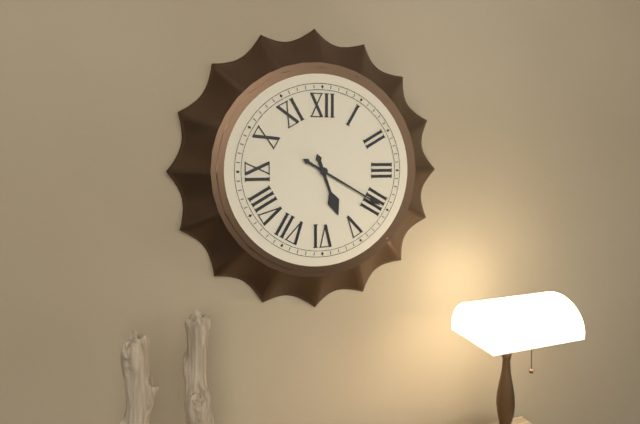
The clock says 5.20
